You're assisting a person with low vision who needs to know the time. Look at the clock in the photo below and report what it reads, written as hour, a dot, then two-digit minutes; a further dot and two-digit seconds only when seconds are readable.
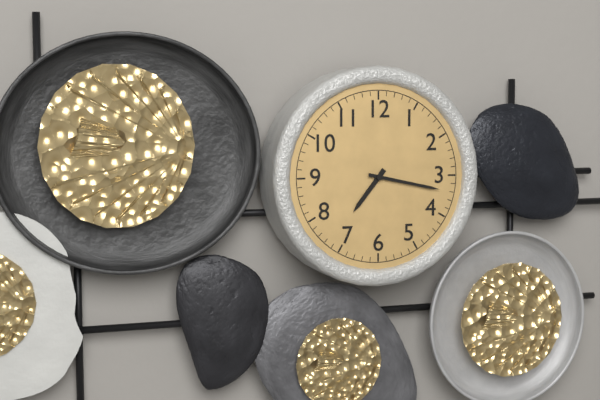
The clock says 7.17
